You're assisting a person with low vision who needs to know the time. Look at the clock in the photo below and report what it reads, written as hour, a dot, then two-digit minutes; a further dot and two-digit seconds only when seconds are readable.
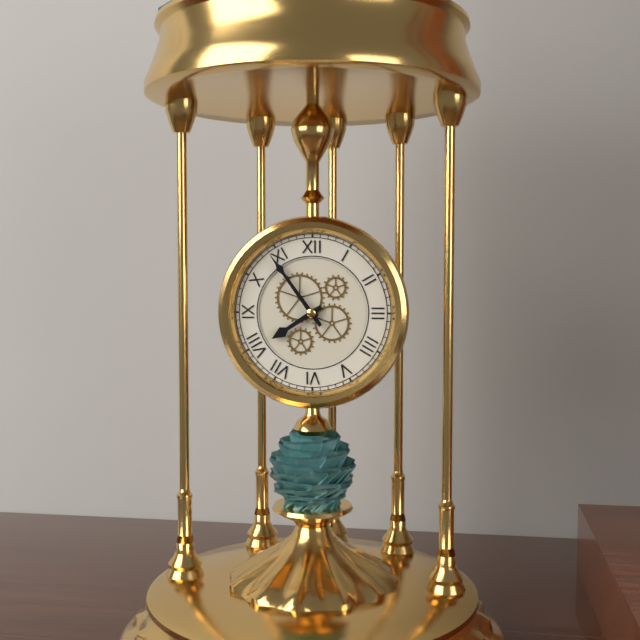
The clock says 7.54
